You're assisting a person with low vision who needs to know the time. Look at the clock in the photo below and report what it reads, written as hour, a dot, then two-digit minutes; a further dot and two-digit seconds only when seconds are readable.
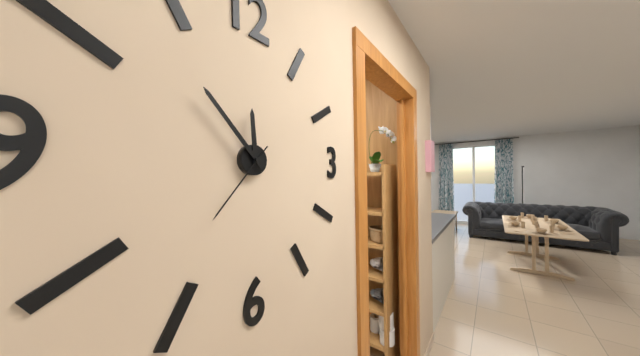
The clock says 11.53.37
